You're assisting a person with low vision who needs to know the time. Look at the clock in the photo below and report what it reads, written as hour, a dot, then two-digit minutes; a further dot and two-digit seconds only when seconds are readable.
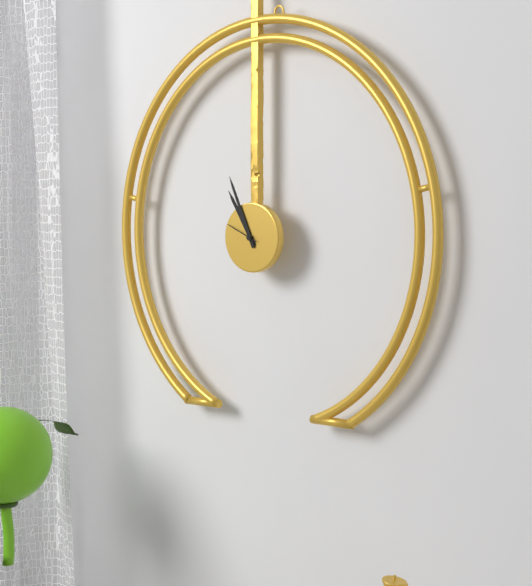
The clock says 10.56
